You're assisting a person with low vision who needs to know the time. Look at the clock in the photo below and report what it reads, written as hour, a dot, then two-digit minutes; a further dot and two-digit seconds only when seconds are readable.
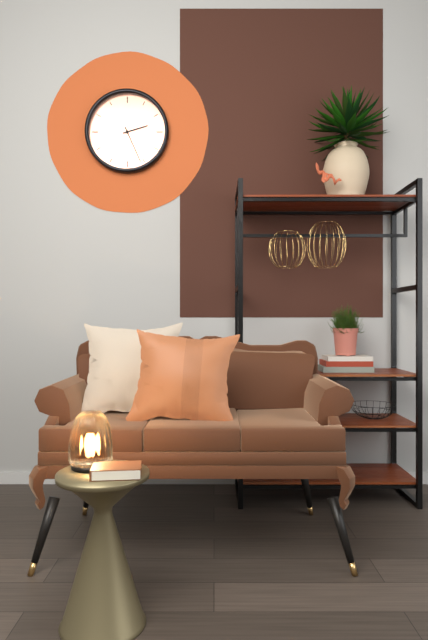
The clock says 2.26
